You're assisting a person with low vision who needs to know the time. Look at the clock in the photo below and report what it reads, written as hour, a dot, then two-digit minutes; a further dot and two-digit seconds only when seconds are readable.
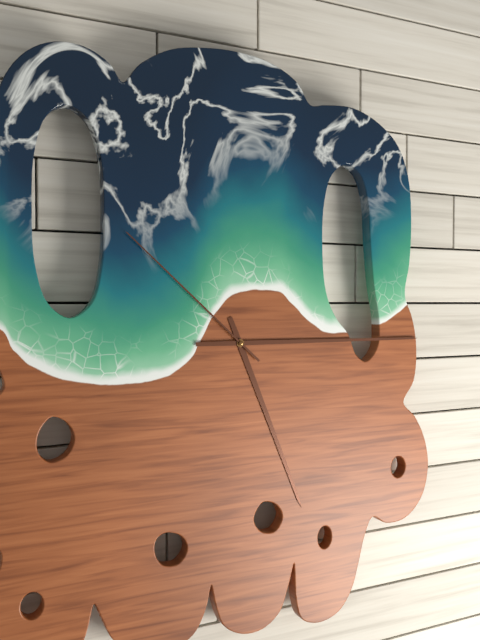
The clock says 5.15.52
